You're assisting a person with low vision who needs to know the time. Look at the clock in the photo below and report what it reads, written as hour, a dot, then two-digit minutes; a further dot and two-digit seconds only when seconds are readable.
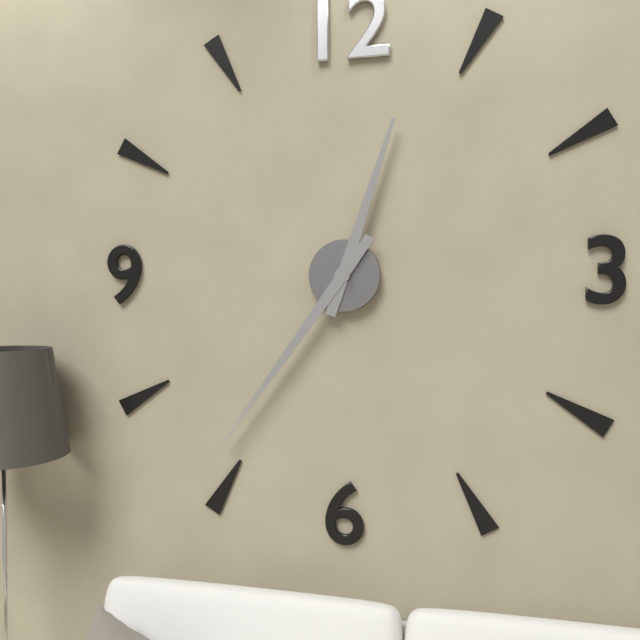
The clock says 12.36
